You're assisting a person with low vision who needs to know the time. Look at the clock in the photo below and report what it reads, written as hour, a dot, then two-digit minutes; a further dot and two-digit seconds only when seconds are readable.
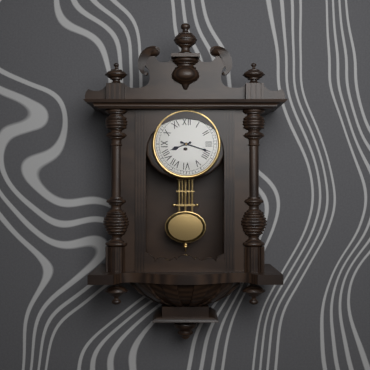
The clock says 8.18
